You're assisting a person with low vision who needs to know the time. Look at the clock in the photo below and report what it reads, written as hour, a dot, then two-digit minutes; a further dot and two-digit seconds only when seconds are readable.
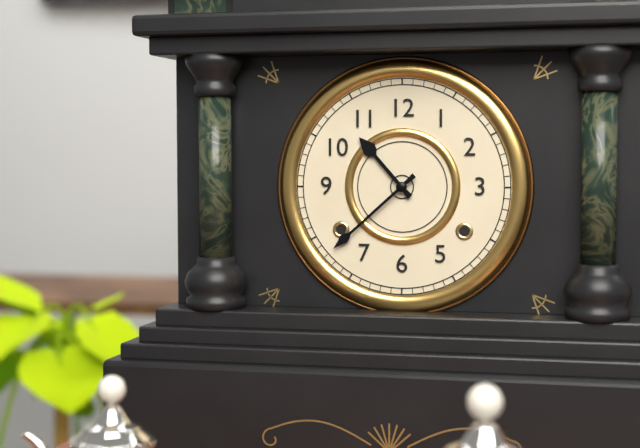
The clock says 10.38
